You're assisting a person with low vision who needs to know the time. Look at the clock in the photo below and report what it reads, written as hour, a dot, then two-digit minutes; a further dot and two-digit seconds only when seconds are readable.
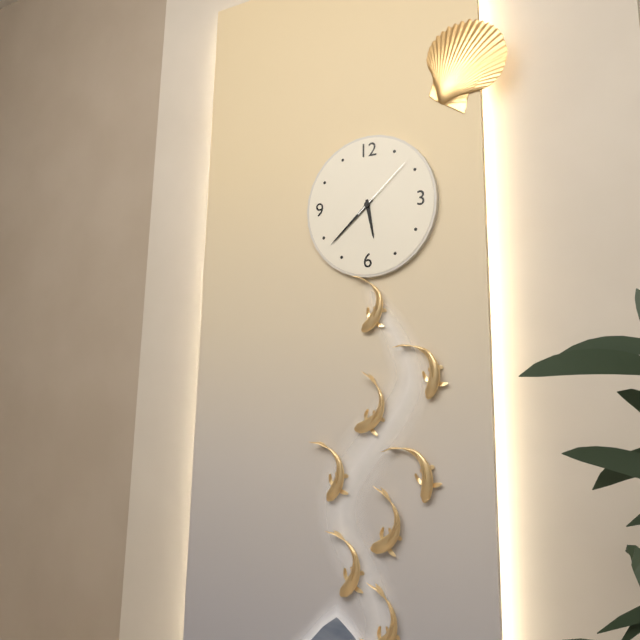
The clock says 5.38.08
